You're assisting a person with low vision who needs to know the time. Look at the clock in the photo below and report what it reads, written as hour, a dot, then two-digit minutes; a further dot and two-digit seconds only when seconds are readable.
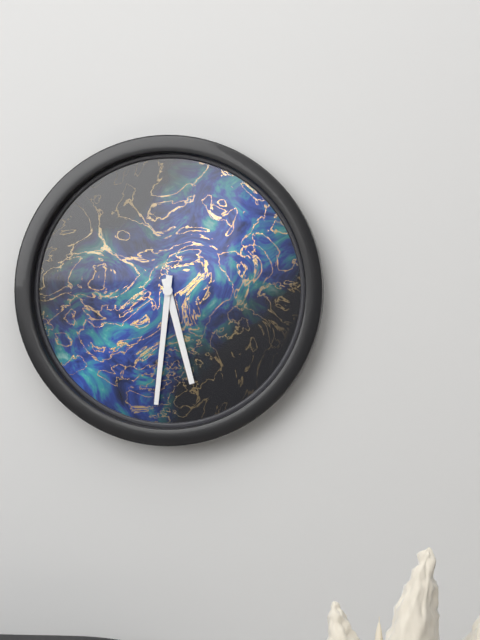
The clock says 5.31
